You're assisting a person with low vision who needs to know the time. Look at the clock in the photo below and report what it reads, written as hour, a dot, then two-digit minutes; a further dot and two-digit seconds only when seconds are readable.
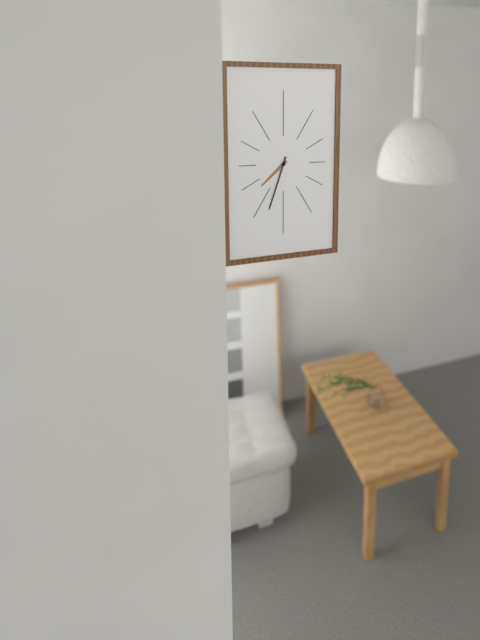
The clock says 7.33
